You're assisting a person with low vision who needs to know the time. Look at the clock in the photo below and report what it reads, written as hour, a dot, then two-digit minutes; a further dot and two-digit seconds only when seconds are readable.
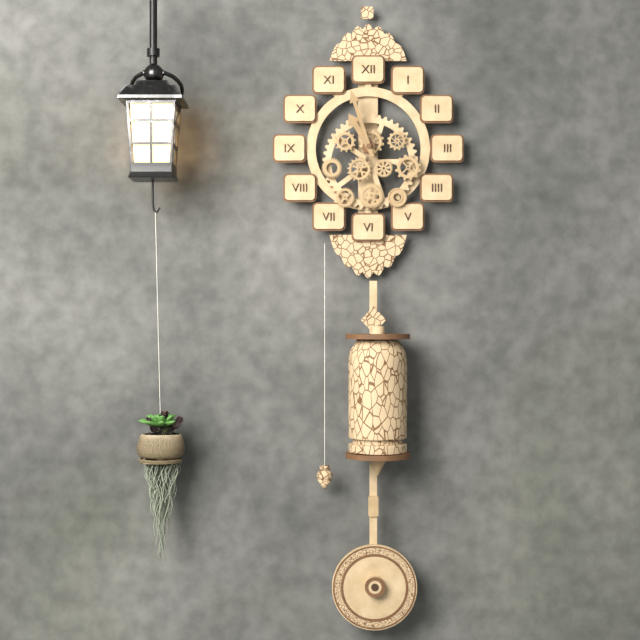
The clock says 10.57
